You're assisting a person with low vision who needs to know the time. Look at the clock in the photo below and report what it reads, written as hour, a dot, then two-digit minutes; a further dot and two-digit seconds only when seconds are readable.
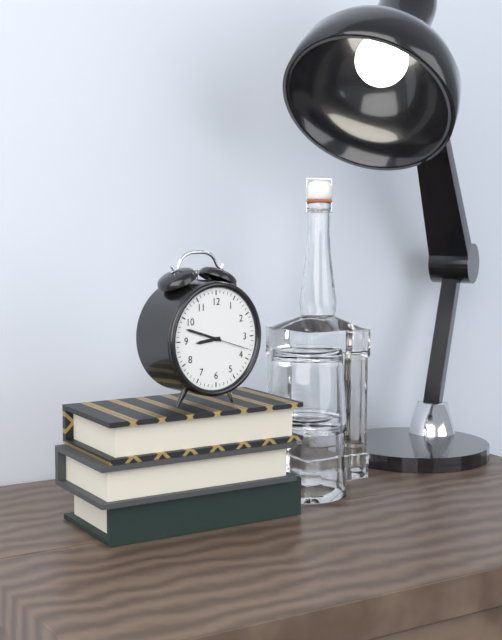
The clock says 8.48
